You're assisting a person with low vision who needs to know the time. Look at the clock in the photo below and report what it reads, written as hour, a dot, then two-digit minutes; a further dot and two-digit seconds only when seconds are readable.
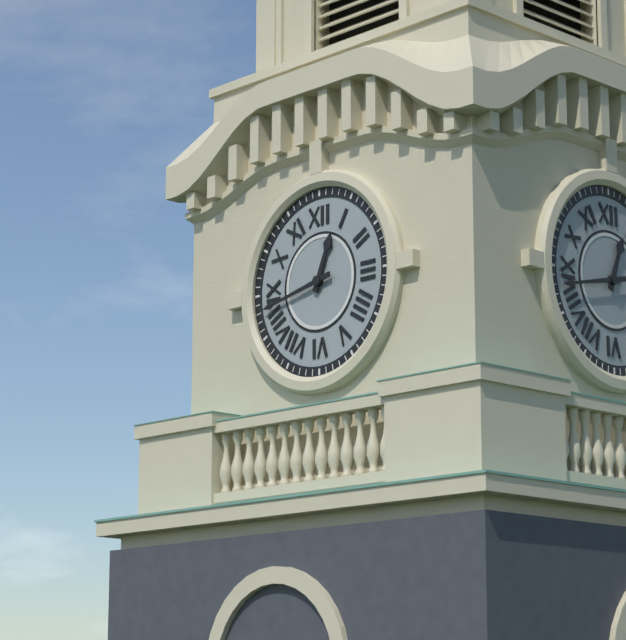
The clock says 12.43
